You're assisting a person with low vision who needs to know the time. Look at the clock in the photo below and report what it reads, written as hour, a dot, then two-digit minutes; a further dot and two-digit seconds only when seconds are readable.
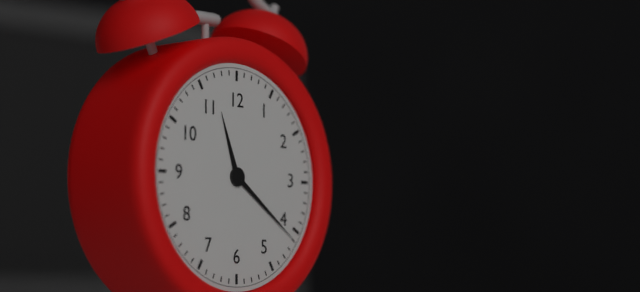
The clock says 11.21
